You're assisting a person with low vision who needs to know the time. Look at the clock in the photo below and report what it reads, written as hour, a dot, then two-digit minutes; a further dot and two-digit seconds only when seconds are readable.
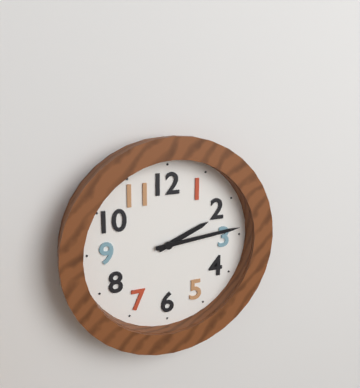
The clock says 2.14
